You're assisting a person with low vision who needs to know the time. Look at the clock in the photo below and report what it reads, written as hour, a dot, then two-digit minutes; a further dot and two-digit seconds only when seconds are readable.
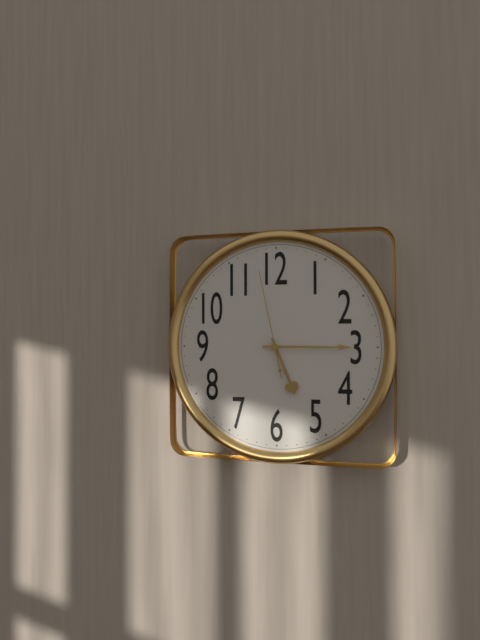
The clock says 5.15.58
